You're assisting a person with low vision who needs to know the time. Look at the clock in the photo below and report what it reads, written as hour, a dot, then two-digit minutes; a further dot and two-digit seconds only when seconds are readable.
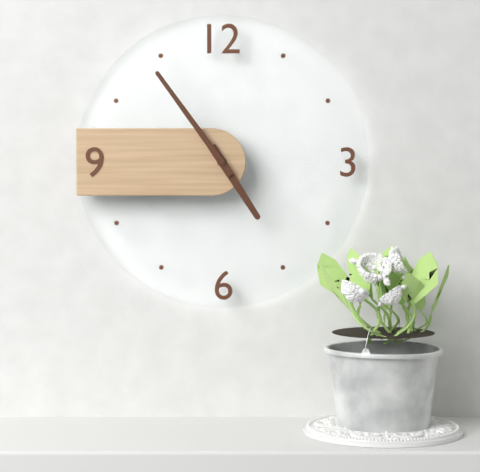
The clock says 4.54
